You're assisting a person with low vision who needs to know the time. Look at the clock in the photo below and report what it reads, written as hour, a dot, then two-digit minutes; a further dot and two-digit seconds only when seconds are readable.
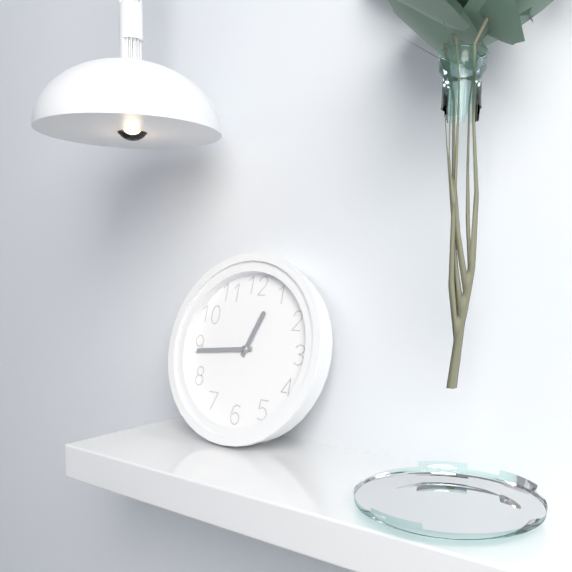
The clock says 12.44
